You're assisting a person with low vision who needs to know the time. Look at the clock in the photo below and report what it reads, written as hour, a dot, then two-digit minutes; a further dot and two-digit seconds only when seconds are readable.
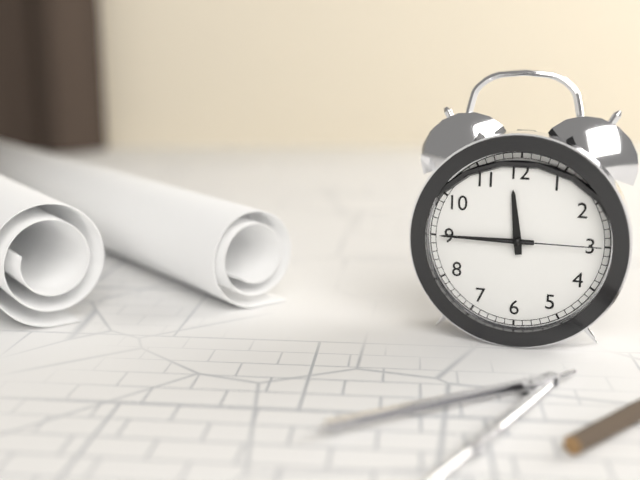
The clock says 11.45.15
